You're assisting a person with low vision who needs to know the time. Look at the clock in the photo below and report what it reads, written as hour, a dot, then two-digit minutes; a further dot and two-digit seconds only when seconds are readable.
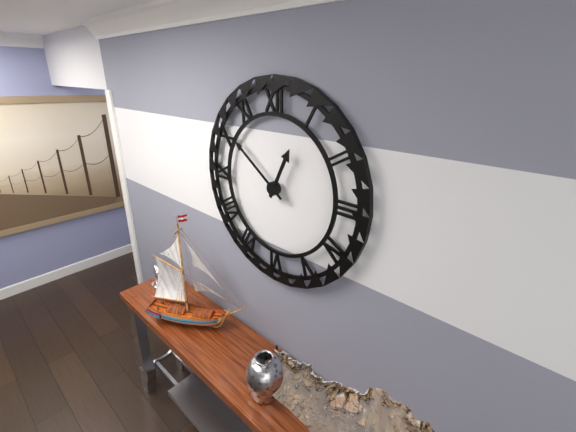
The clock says 12.51
